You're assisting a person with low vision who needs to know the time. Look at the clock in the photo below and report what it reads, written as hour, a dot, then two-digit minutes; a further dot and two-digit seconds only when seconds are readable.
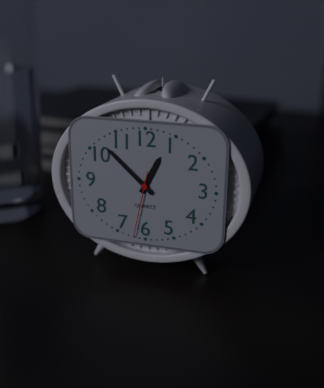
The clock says 12.52.32
